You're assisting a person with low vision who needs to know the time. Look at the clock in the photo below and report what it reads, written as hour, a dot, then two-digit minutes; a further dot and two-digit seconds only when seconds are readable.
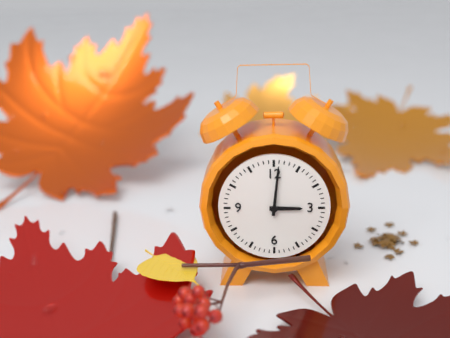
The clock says 3.01
